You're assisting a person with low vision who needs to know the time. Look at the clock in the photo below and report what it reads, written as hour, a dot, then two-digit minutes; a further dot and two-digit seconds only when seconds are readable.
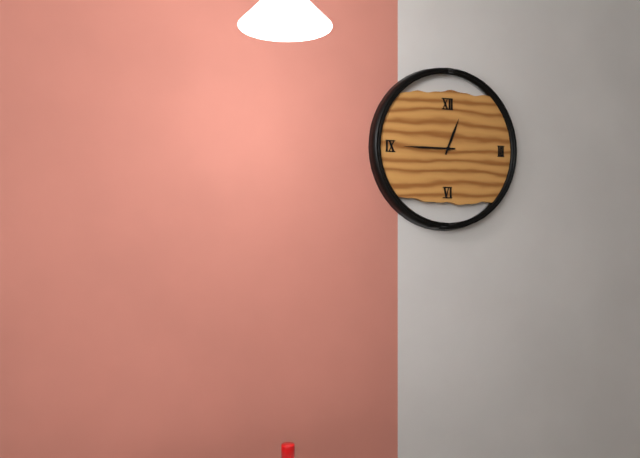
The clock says 12.45
